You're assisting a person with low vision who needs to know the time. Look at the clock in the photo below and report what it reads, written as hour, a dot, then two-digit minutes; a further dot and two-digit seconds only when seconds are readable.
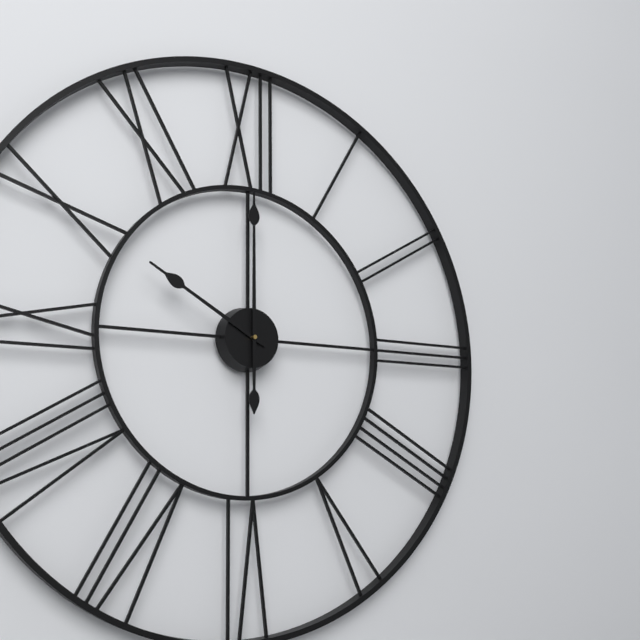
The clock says 10.00
